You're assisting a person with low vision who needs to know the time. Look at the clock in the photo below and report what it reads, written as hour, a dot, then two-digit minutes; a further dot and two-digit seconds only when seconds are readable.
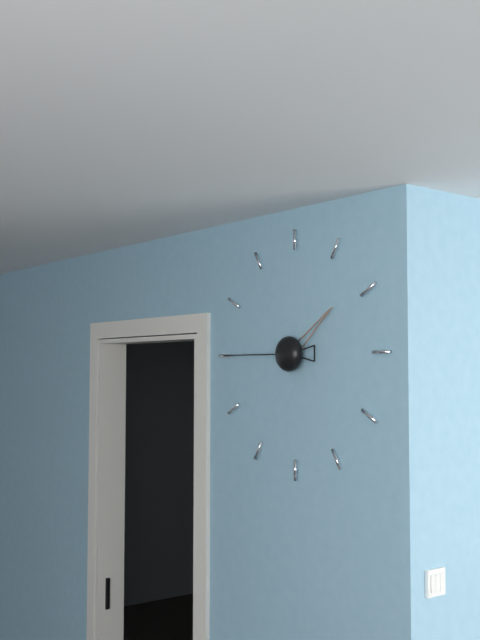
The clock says 1.45
